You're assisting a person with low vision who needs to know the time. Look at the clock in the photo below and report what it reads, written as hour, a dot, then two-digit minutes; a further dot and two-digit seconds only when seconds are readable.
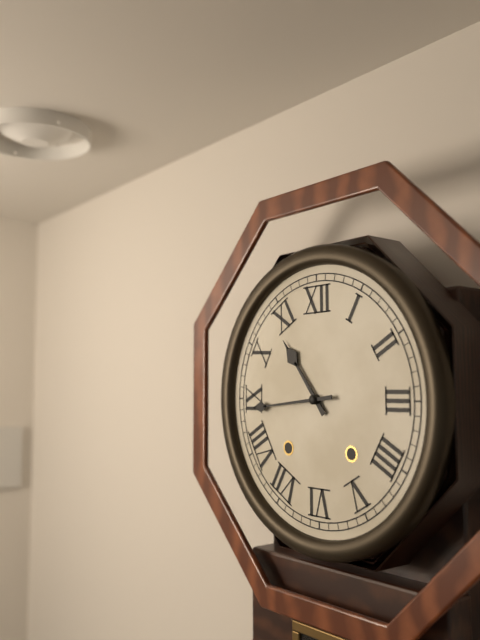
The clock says 10.44
